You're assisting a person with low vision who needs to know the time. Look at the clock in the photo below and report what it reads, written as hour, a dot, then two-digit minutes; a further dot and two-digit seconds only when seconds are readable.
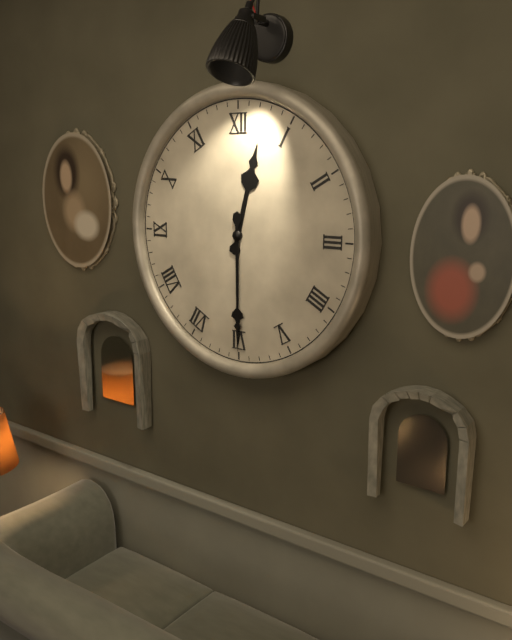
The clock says 12.30
